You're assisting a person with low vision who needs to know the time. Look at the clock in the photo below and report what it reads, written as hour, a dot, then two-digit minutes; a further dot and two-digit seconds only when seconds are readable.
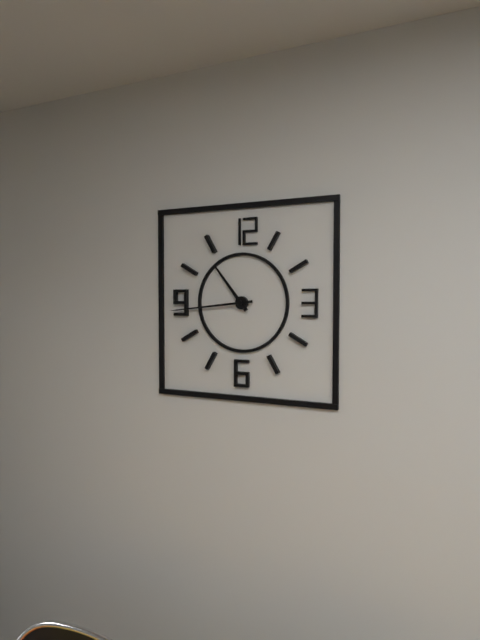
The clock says 10.44
